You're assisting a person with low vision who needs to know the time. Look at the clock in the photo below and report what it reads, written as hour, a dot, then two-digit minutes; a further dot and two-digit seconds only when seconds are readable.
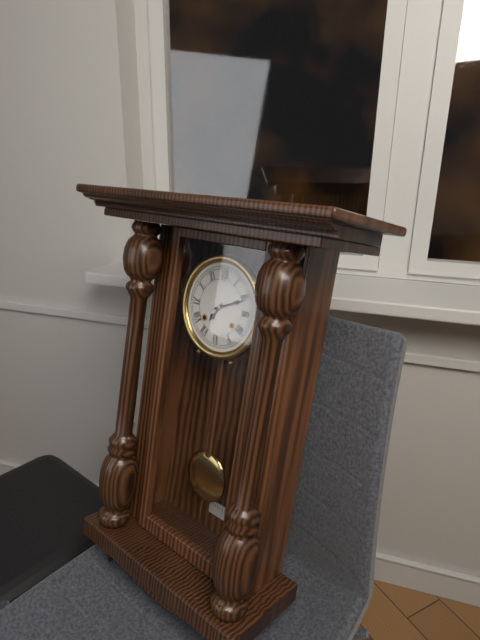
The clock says 7.11
